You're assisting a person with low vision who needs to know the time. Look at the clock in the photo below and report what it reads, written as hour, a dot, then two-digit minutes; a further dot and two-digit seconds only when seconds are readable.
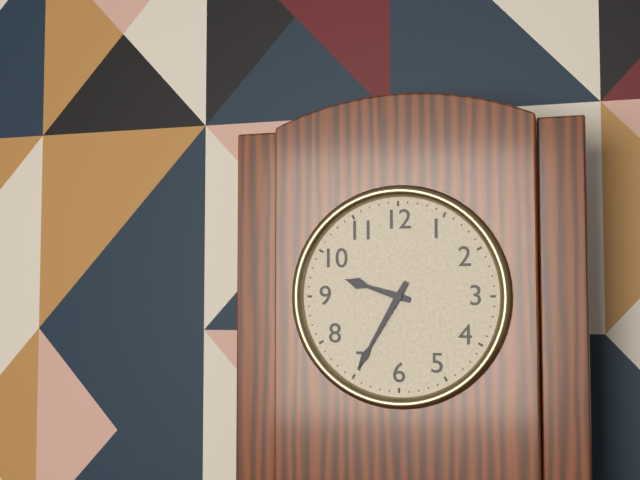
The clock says 9.35
